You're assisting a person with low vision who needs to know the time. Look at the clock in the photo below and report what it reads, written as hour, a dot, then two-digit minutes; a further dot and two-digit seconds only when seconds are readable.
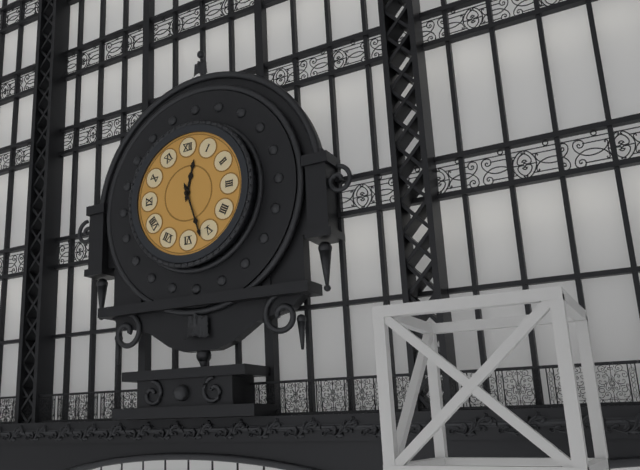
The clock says 12.27
